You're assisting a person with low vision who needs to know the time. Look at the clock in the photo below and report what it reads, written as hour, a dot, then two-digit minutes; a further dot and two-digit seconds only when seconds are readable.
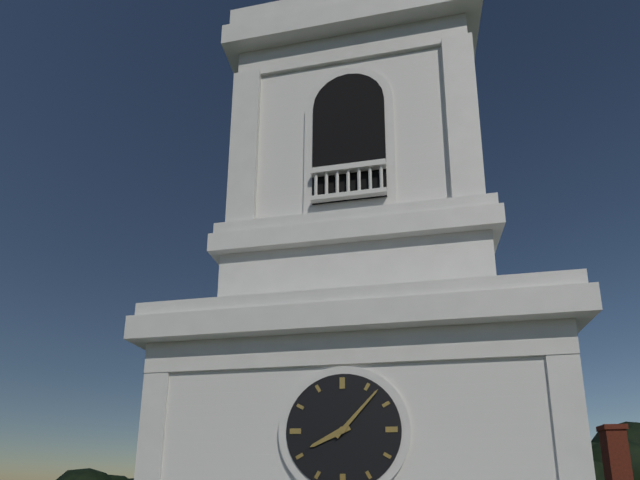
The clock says 8.07
